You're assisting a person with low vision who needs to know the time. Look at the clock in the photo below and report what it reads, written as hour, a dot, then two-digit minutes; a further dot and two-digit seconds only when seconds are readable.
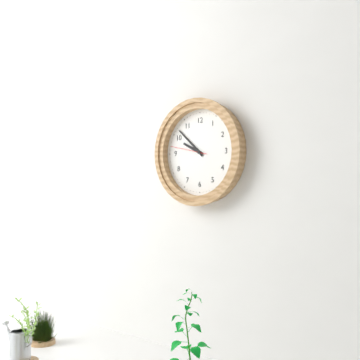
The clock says 9.52
